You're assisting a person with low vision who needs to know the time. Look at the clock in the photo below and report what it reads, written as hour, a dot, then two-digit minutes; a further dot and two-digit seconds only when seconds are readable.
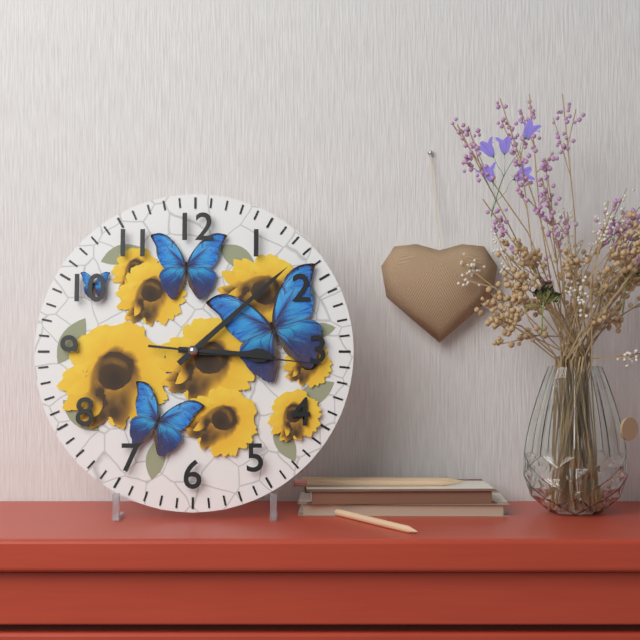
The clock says 3.08.16
